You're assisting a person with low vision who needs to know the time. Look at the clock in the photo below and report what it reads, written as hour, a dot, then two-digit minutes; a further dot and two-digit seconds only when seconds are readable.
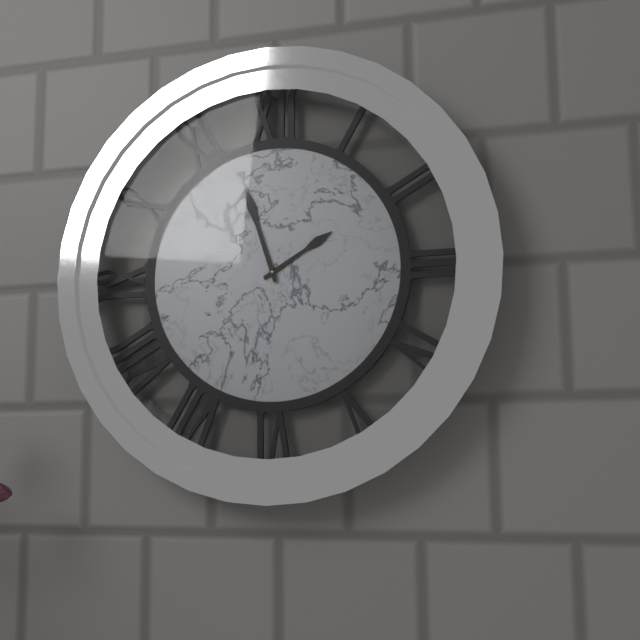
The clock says 1.57
